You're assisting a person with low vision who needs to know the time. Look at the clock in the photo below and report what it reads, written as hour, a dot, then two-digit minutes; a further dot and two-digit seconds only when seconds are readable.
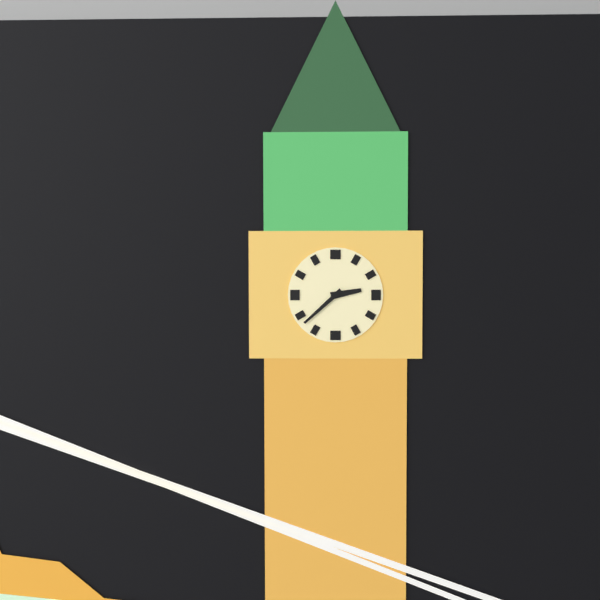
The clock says 2.38
